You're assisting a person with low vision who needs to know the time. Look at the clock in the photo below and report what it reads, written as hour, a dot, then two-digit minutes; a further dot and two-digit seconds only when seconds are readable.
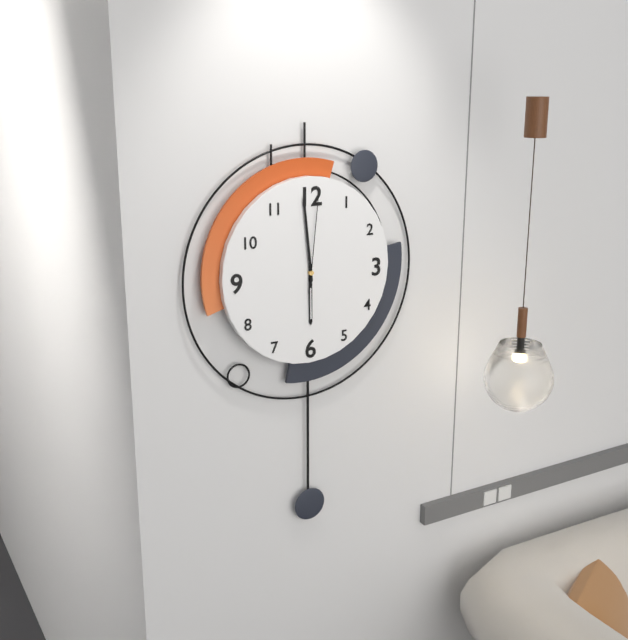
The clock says 5.59.01
